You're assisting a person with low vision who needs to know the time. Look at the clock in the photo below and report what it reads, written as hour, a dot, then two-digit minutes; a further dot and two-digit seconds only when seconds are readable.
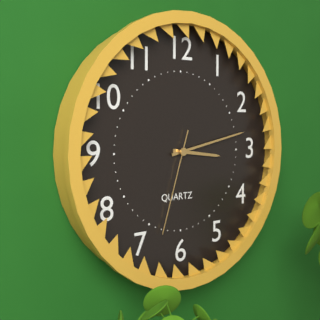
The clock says 3.13.33
